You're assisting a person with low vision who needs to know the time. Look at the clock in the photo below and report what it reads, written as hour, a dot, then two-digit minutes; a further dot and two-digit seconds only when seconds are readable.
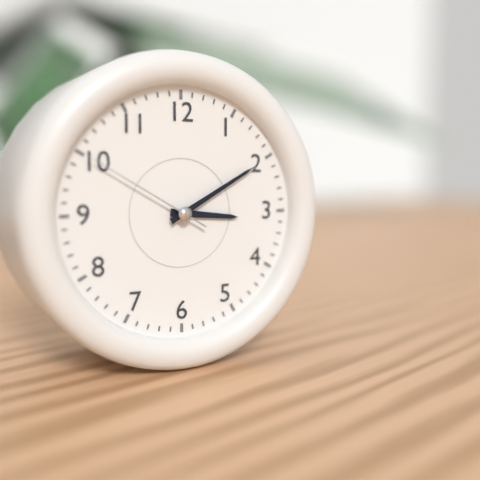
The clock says 3.10.50
